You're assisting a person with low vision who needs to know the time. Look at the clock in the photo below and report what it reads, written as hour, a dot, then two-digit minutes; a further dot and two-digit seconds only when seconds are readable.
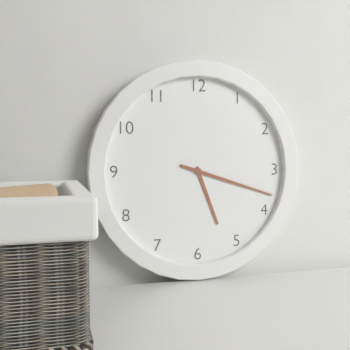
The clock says 5.18
